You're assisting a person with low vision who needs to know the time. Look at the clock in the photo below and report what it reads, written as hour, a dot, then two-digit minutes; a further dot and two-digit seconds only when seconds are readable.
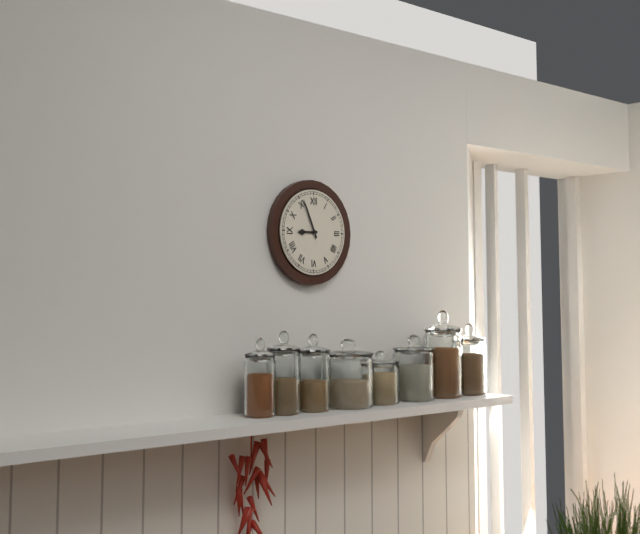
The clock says 8.56
